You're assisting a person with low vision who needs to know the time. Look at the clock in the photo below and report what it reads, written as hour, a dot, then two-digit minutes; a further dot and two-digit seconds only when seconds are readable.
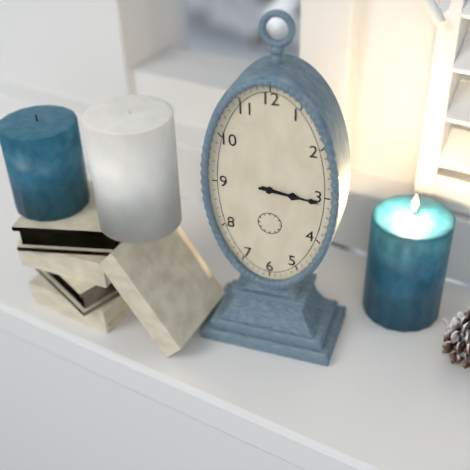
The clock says 3.16
